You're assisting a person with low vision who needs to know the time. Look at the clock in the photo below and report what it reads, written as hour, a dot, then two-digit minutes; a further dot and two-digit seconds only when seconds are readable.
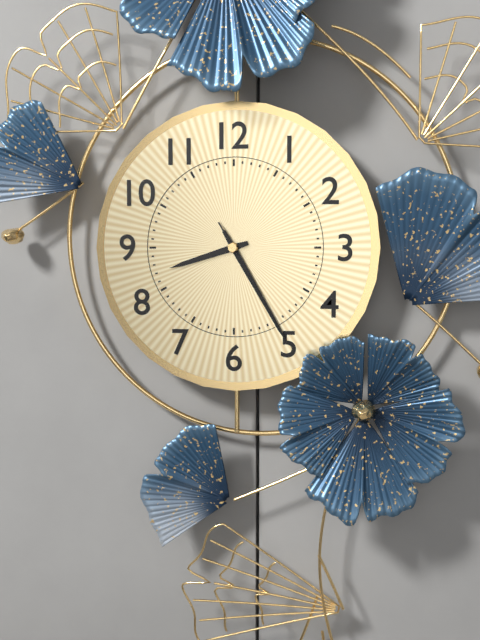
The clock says 8.25.25
